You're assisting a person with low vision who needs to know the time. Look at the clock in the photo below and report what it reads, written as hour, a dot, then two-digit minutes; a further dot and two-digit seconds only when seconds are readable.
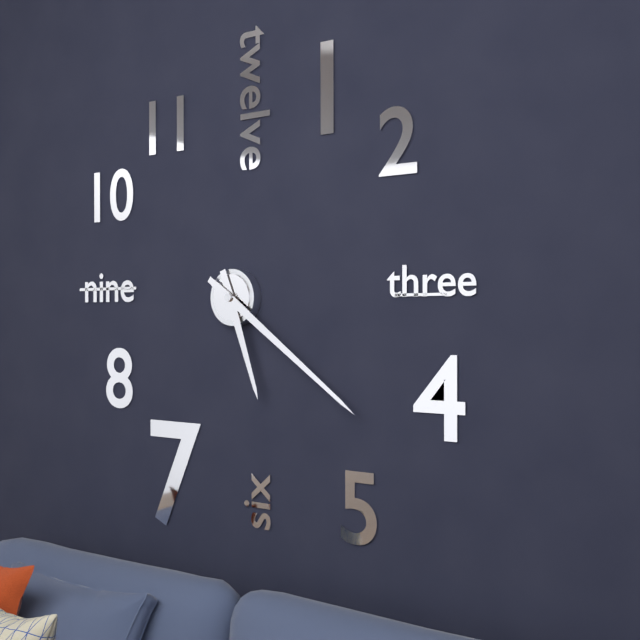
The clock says 5.21
